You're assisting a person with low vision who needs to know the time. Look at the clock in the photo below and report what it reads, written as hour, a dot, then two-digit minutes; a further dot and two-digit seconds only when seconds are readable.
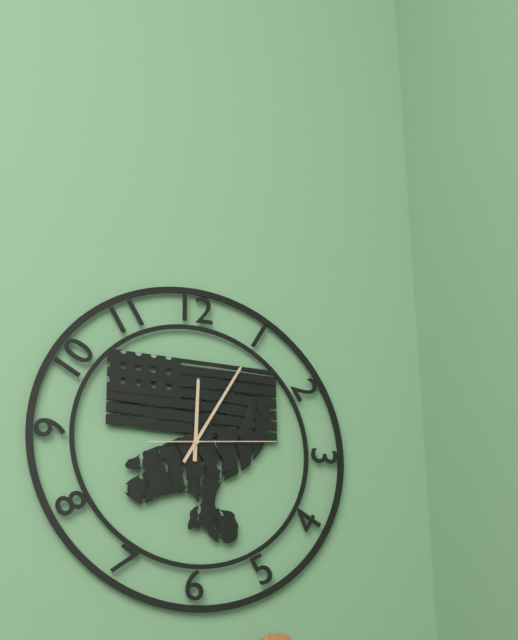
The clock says 12.05.14
